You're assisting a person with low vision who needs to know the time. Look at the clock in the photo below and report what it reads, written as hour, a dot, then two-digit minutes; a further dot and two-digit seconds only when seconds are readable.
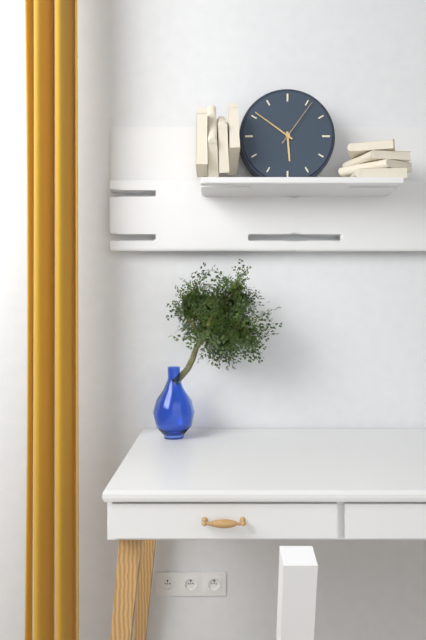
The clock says 5.51.06
